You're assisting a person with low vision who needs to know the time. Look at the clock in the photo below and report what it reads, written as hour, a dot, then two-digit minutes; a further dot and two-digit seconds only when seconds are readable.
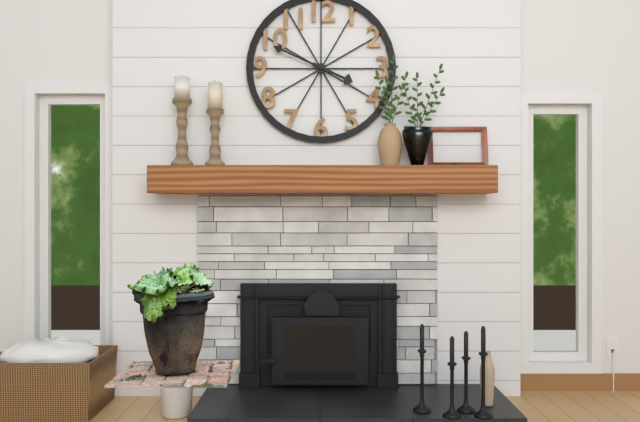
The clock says 3.49
